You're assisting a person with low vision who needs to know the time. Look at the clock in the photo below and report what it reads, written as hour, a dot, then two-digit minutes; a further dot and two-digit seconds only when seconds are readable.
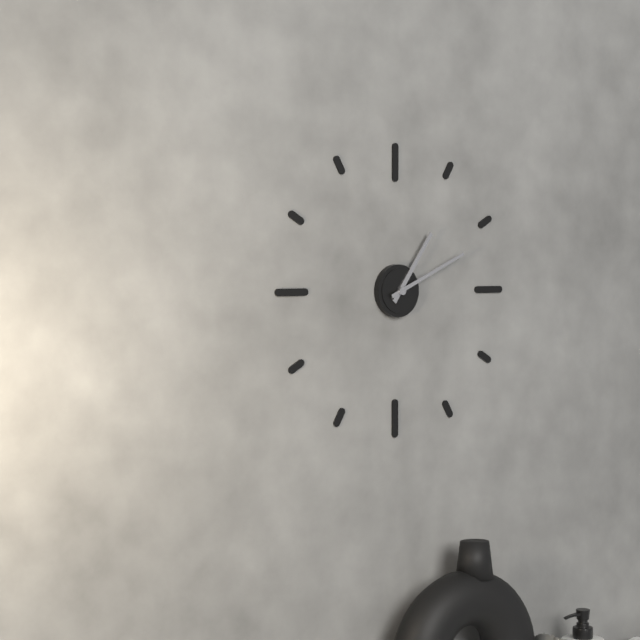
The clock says 1.11
